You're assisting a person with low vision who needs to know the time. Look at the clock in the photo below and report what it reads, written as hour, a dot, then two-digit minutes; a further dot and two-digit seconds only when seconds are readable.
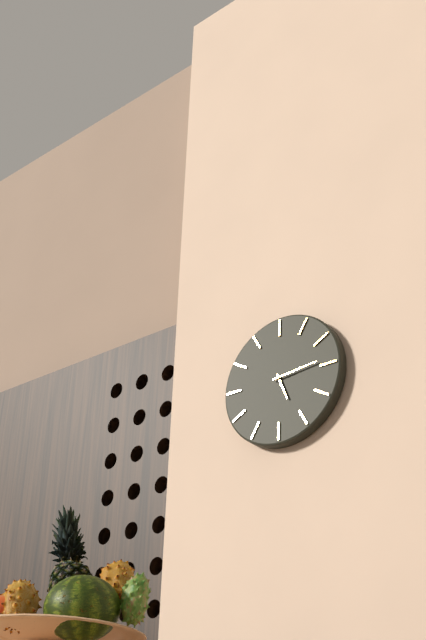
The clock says 5.14
